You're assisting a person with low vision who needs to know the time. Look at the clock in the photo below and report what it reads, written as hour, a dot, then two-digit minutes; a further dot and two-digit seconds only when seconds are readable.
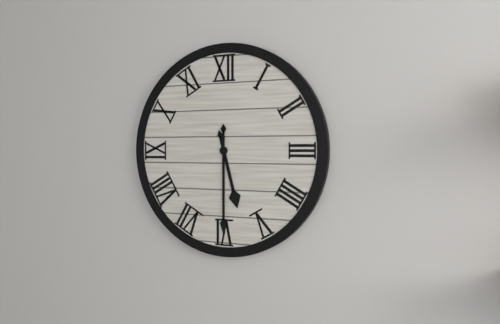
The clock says 5.30
